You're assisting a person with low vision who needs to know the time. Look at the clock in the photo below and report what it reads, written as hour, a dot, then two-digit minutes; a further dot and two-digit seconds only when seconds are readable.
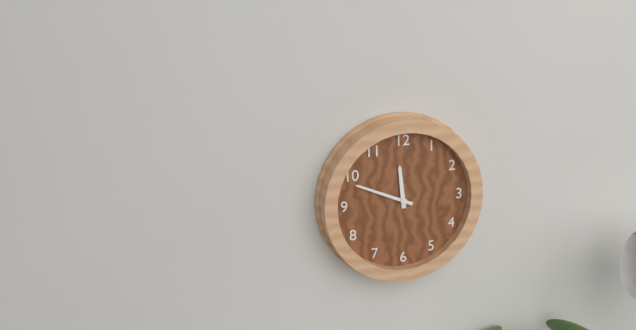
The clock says 11.49
